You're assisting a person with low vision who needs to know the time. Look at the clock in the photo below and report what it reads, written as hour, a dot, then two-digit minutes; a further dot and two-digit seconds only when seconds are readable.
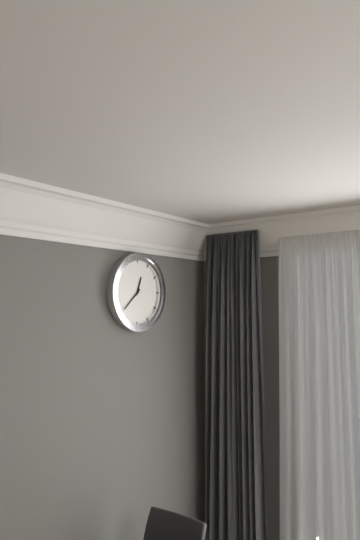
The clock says 12.38
